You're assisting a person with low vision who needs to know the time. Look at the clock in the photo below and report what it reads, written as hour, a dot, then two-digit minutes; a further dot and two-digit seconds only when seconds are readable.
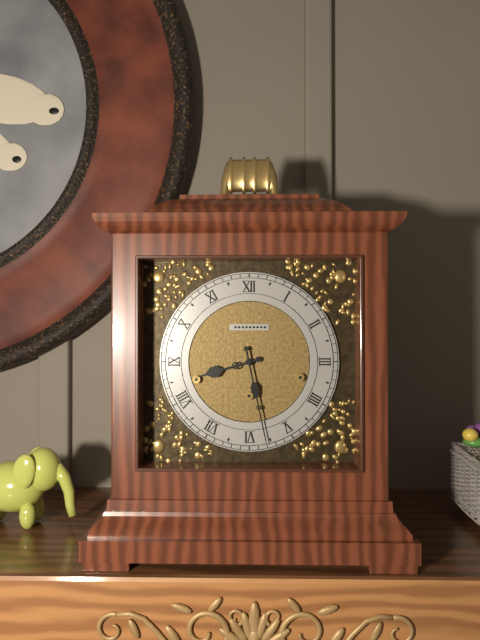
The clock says 8.28
